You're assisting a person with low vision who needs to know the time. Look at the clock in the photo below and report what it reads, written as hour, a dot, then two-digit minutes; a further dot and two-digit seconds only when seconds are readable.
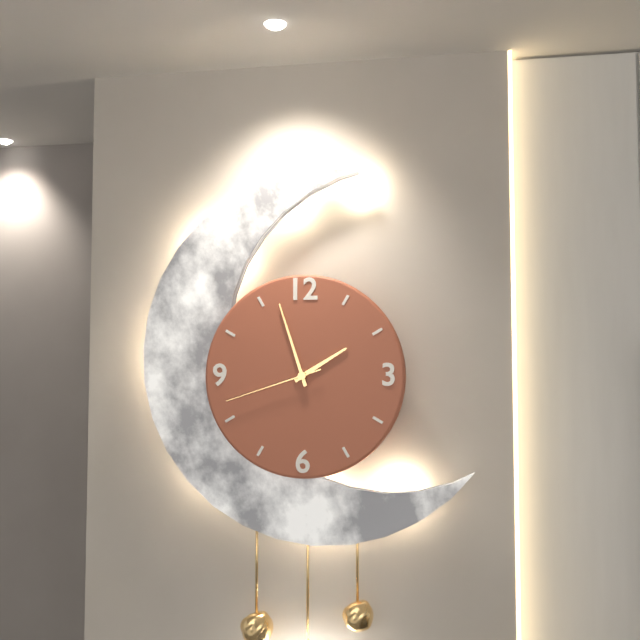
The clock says 1.57.42
